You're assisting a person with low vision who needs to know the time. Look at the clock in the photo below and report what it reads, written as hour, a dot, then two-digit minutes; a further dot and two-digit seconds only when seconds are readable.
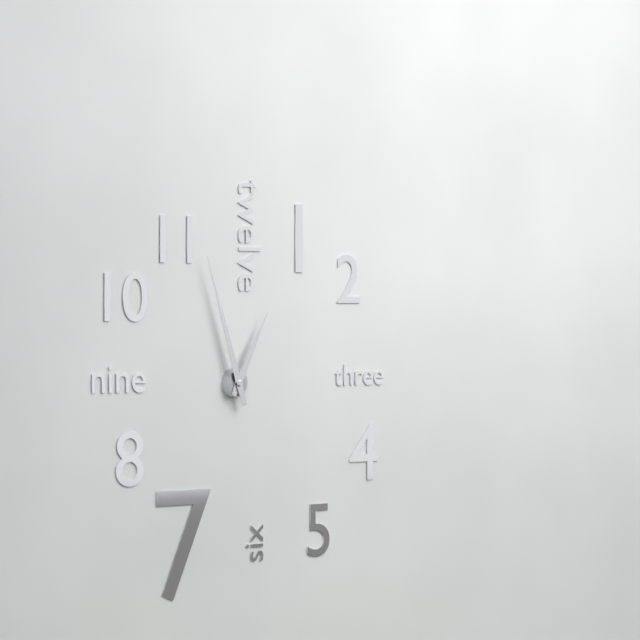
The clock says 12.57
